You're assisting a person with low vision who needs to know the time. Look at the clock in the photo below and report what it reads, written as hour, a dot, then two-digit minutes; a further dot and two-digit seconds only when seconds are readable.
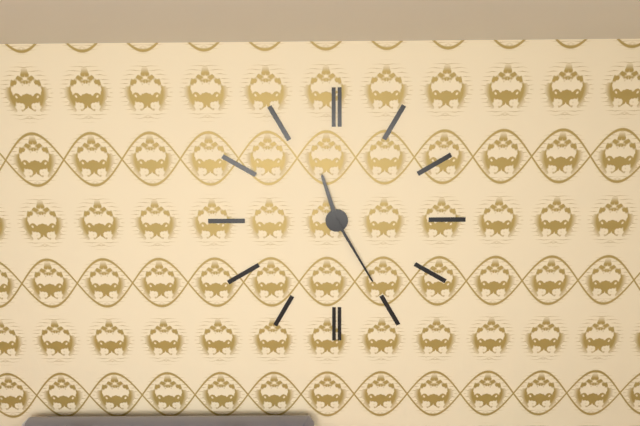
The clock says 11.25
